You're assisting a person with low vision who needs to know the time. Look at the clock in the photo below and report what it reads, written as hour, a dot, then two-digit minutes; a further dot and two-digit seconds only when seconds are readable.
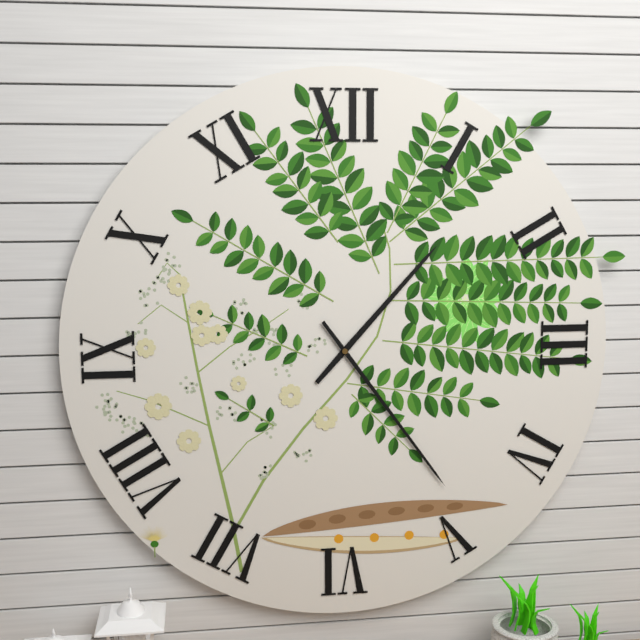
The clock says 1.24
